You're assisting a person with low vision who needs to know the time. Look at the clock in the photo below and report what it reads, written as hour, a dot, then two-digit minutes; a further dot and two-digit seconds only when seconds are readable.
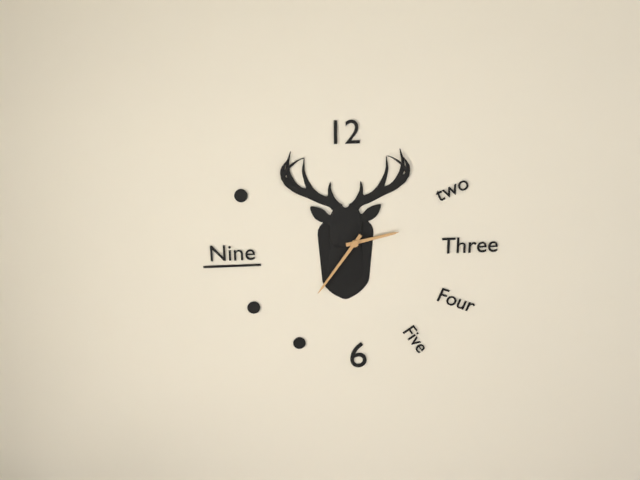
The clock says 2.36
